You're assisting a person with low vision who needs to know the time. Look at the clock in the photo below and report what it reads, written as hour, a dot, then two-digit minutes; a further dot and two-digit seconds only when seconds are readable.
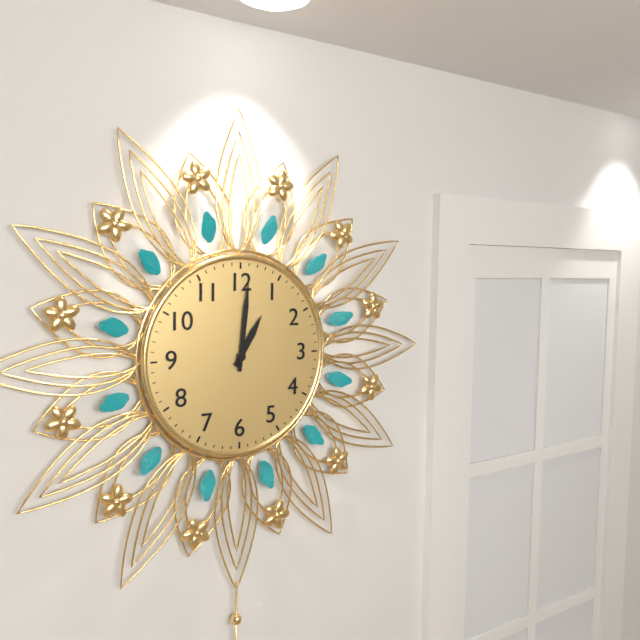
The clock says 1.01
